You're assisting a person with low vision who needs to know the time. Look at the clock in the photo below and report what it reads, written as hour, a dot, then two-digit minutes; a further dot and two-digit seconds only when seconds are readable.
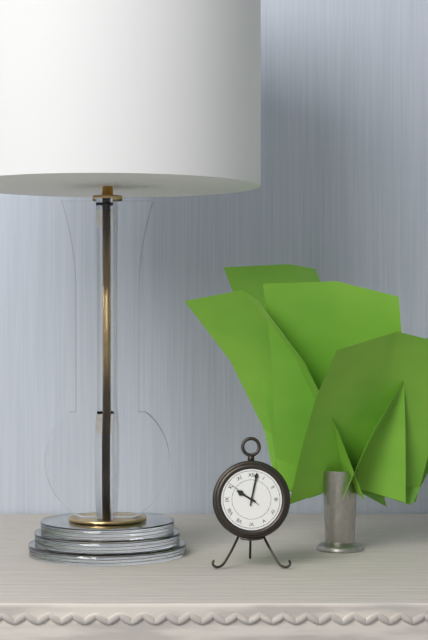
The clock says 10.02
